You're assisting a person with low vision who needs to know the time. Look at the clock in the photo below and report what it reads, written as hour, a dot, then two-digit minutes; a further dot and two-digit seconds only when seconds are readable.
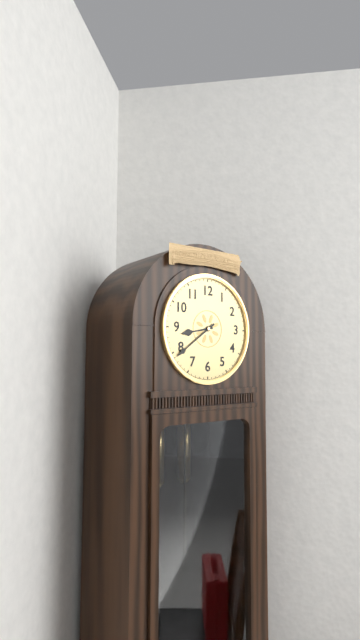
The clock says 8.39
